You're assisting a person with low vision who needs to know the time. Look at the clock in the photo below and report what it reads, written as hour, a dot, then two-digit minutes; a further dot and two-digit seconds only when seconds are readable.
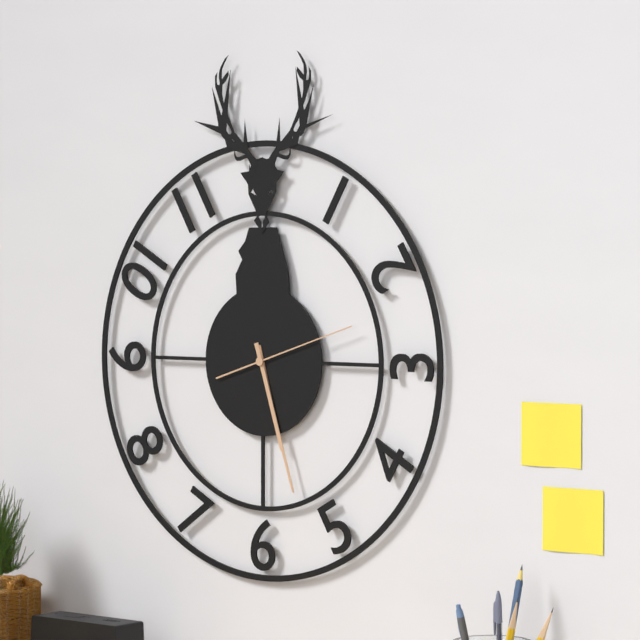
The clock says 5.27.12
